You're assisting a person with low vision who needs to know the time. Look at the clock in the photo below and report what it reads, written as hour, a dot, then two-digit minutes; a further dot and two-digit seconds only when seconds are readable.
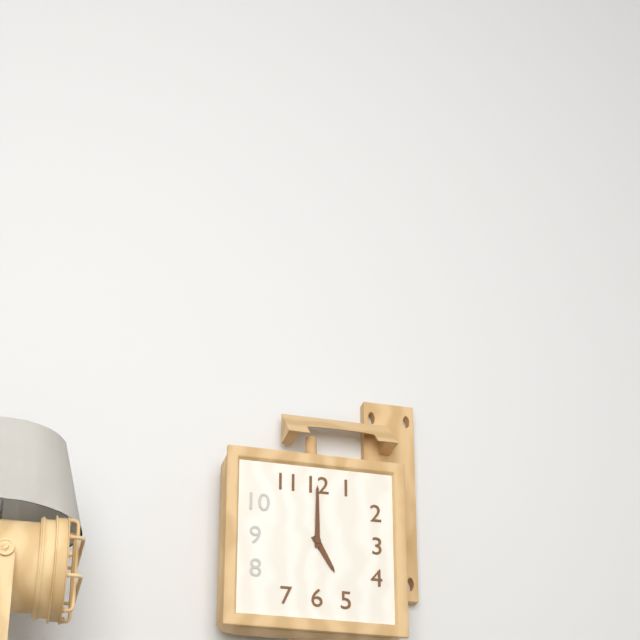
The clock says 5.00
